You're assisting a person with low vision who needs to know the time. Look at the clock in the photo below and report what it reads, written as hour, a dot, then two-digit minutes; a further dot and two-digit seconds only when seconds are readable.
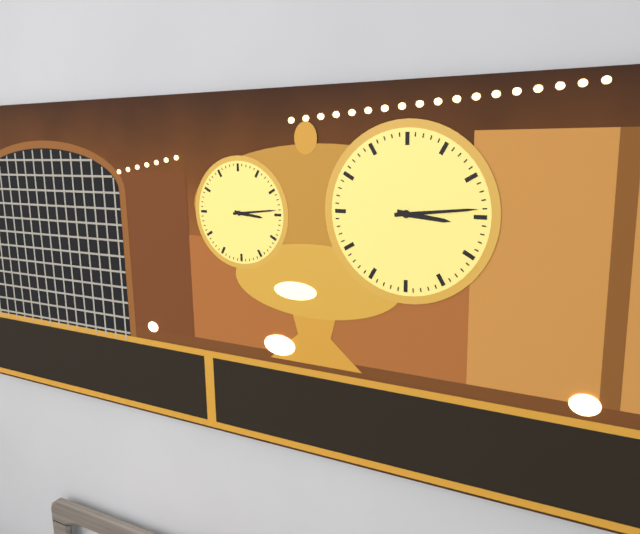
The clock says 3.14
